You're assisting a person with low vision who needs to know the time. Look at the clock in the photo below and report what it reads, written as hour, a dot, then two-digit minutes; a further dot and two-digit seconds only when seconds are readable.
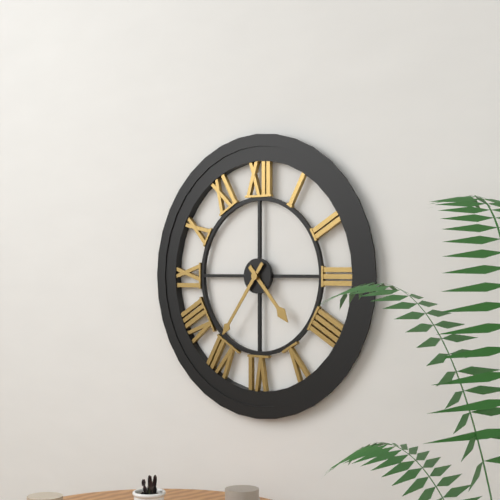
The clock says 4.36
